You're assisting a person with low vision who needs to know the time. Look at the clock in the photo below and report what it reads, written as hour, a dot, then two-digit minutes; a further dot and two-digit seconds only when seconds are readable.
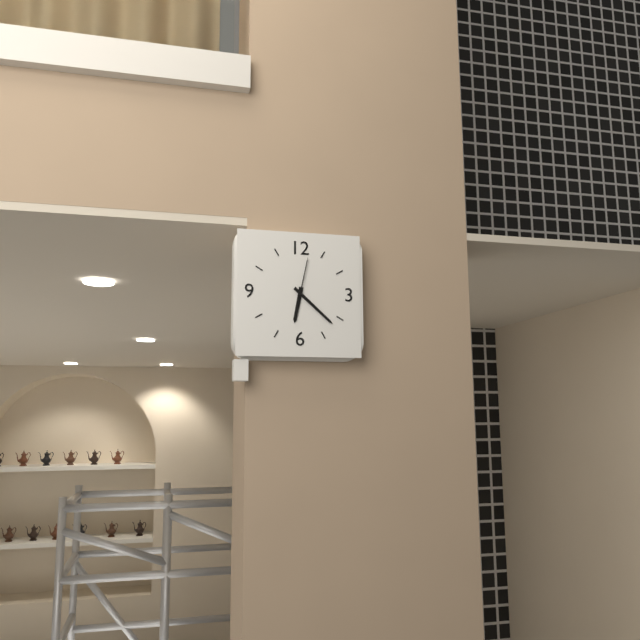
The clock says 6.22
